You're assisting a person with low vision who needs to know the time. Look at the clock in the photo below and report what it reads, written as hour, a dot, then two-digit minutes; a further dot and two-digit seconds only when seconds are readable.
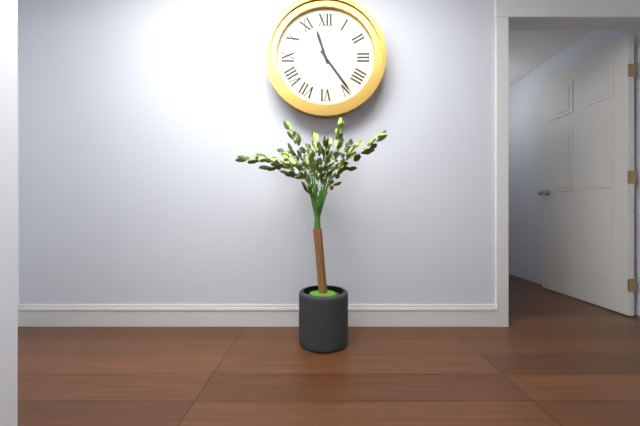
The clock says 11.24
